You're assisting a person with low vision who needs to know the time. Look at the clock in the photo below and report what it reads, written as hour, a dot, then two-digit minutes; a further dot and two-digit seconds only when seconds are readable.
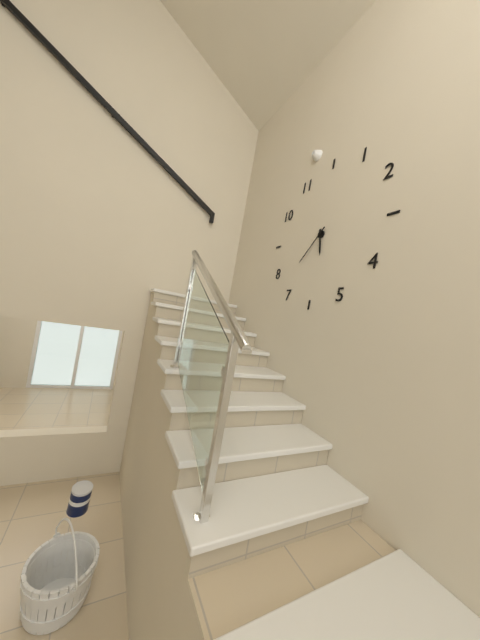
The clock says 5.37
